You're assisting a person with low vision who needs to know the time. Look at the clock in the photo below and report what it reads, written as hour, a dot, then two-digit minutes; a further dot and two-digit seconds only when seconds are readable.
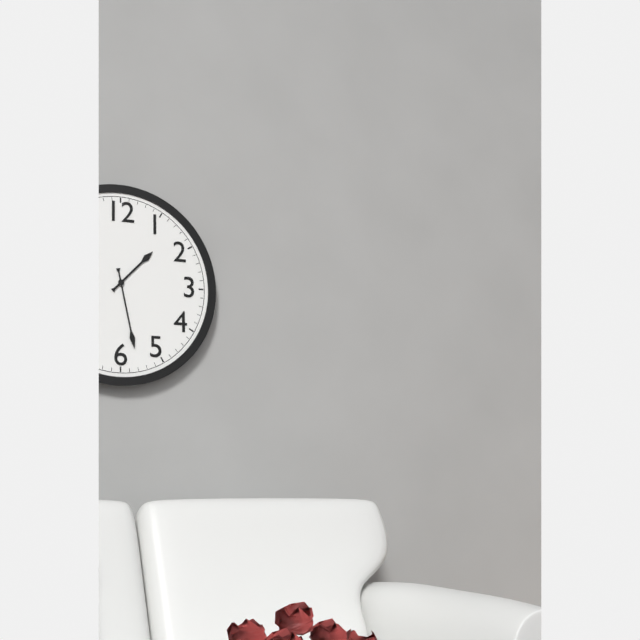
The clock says 1.28
